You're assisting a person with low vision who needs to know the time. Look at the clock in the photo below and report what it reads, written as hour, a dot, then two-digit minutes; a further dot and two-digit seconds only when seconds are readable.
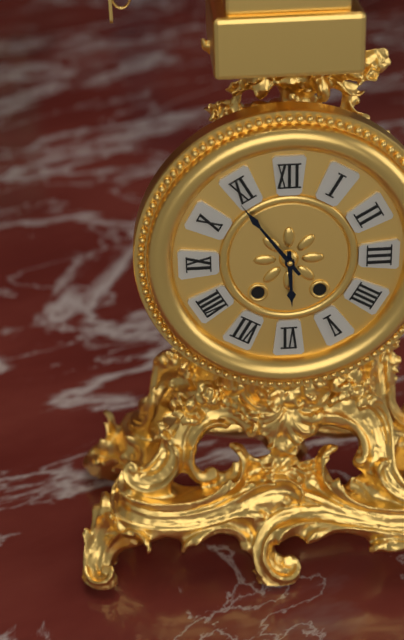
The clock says 5.54
